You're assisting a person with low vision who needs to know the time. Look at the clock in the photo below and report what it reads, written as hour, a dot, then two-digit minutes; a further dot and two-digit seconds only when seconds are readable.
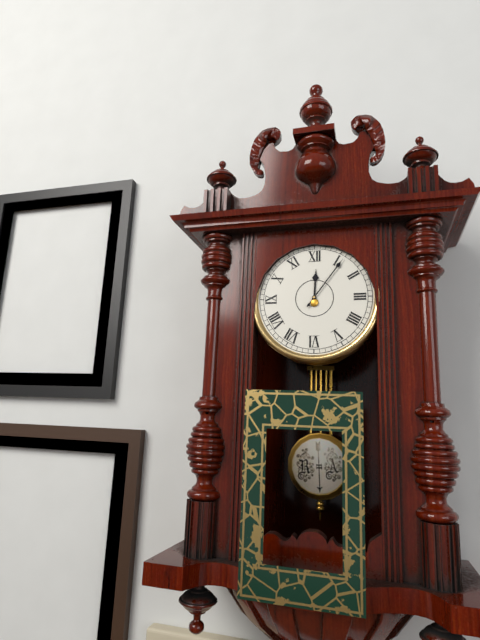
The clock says 12.06
